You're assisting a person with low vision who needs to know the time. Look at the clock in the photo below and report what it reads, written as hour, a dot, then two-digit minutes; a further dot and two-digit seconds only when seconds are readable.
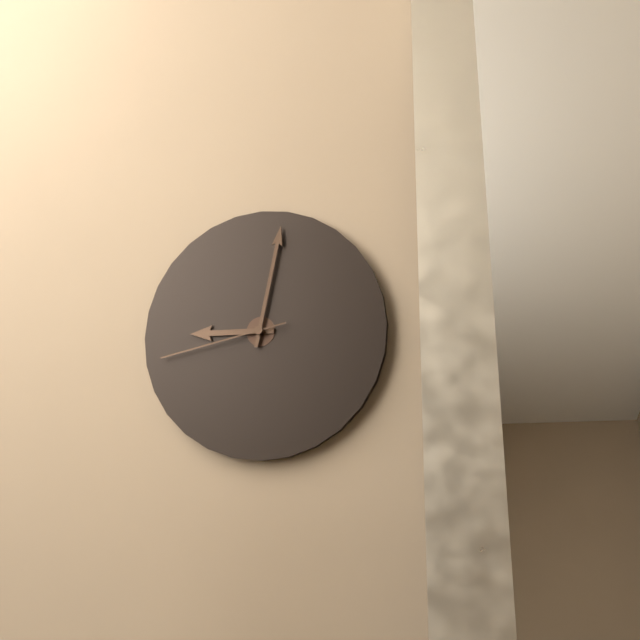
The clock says 9.02.43
